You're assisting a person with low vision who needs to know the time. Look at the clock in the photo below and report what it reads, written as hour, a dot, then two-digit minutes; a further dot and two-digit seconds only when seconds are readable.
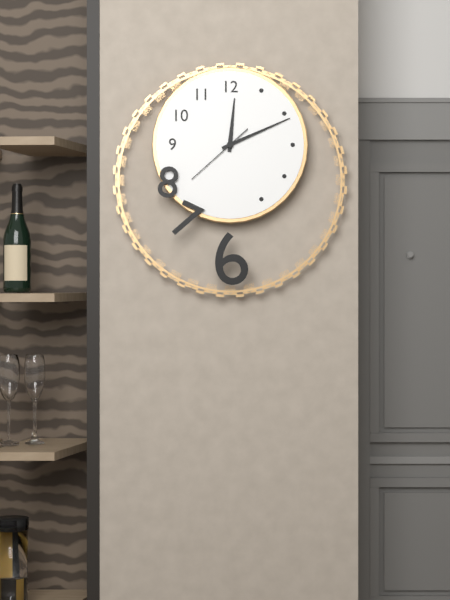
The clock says 12.11.38
